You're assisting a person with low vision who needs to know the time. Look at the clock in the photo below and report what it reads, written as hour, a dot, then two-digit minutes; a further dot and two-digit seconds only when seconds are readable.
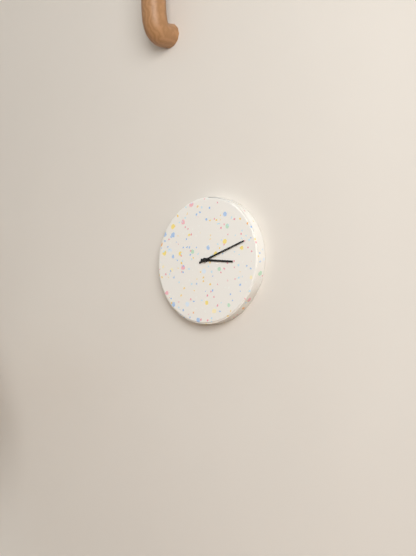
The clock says 3.12
